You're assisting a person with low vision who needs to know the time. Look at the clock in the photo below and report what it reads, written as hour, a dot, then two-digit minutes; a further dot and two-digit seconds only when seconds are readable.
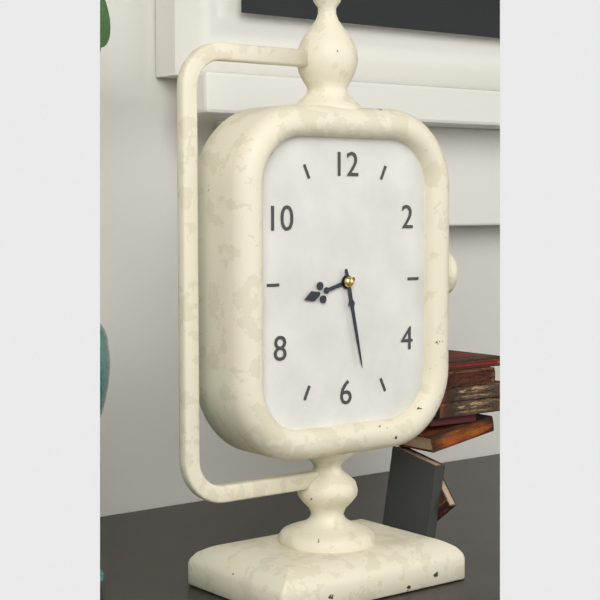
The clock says 8.28
